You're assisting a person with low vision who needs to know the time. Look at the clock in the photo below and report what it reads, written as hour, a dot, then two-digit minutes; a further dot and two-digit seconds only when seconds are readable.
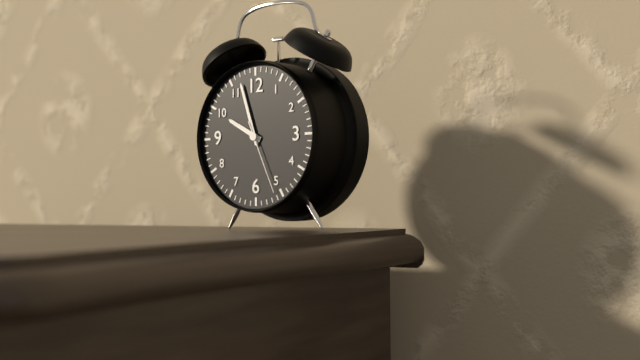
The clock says 9.57.26
